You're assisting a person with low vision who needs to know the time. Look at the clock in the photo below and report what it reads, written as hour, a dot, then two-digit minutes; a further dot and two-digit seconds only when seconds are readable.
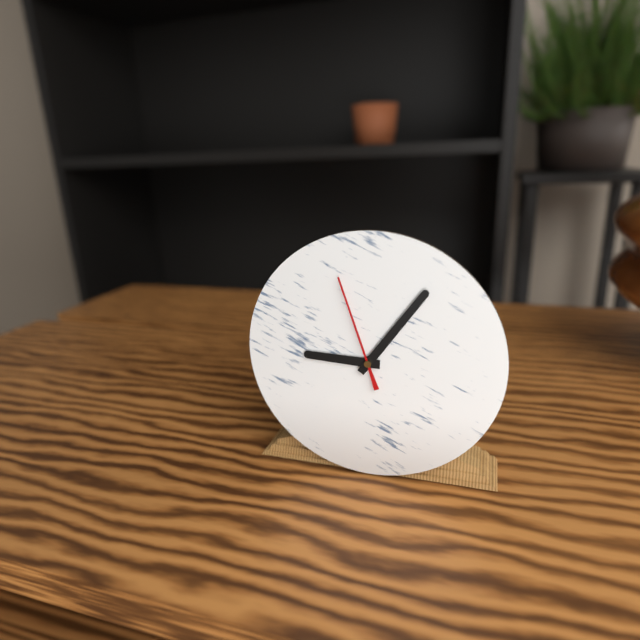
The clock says 9.06.57
